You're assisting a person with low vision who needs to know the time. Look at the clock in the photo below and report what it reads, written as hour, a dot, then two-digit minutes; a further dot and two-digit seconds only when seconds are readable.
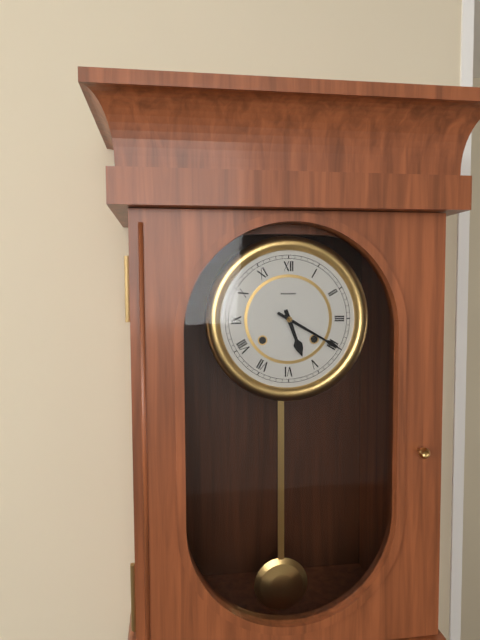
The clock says 5.20
